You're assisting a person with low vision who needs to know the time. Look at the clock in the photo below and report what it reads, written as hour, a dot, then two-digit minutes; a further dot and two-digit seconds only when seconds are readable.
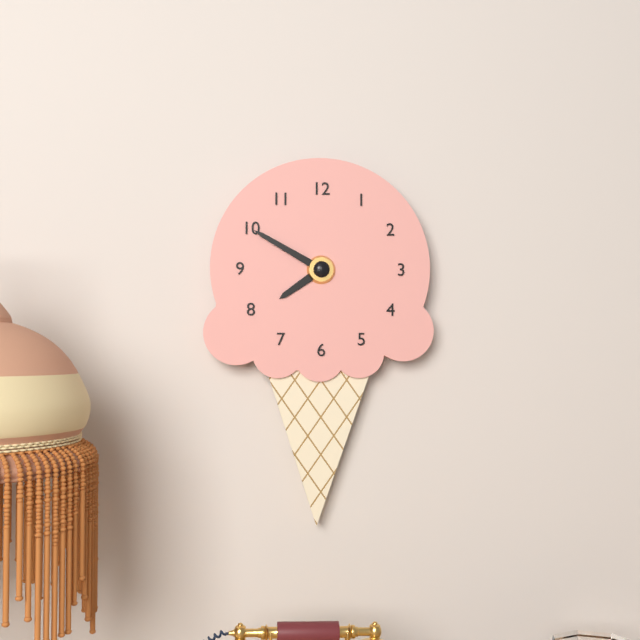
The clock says 7.50
